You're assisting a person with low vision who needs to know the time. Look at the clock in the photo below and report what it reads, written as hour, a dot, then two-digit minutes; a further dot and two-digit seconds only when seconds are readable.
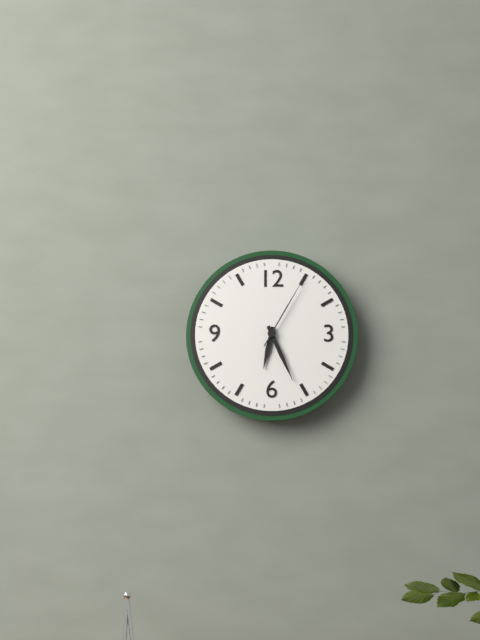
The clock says 6.26.05
